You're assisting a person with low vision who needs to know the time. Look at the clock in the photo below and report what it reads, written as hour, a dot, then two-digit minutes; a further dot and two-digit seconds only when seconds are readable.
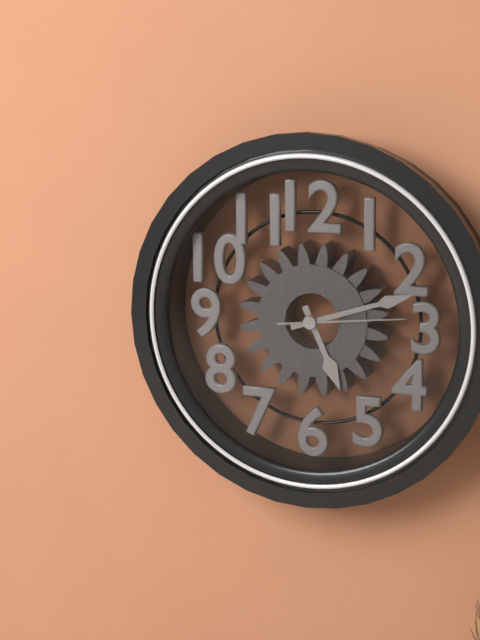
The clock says 5.12.14
